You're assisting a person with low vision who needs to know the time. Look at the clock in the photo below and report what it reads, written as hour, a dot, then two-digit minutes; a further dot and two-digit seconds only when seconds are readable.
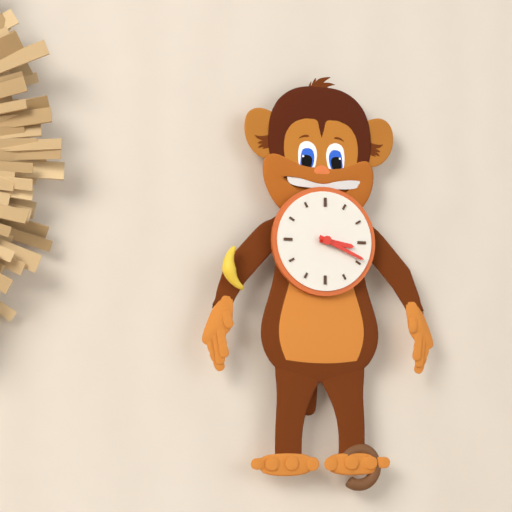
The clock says 3.19
